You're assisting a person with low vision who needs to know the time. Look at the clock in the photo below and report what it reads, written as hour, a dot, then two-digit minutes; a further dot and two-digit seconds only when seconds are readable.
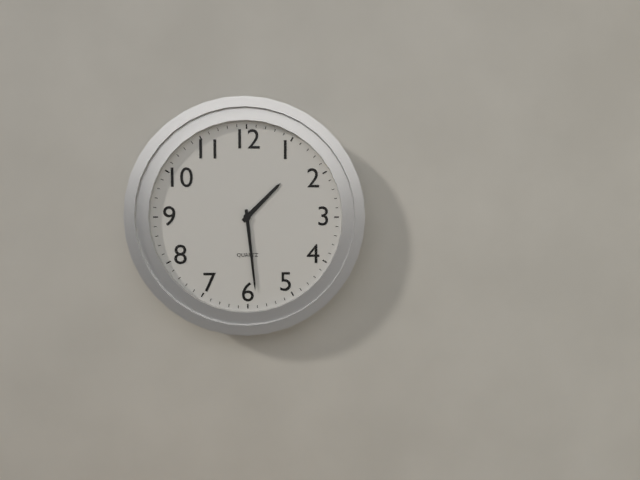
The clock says 1.29
